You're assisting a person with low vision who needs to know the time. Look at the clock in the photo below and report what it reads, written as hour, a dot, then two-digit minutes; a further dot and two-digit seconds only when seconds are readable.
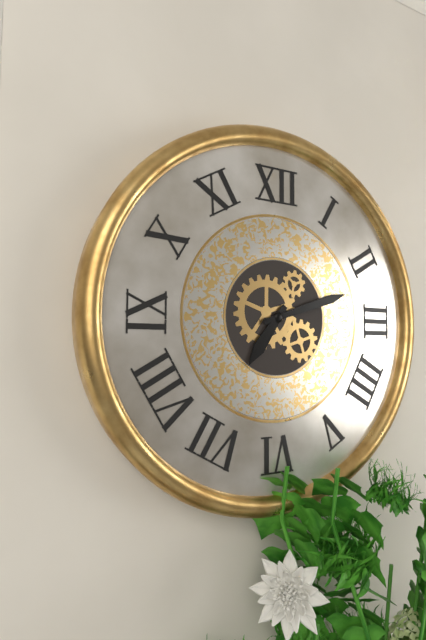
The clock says 7.12
